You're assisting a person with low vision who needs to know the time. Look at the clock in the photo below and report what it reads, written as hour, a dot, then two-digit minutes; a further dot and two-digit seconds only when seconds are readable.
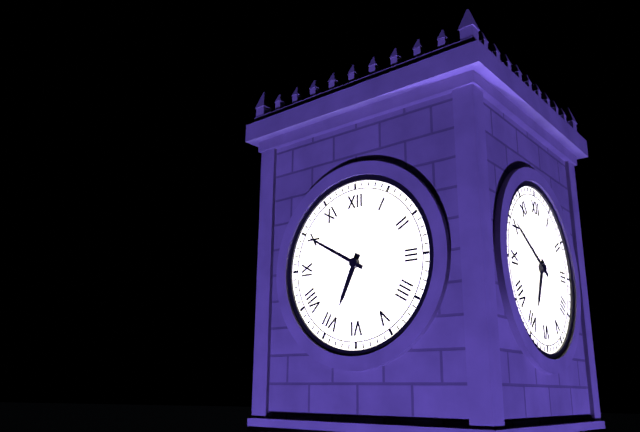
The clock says 6.50
